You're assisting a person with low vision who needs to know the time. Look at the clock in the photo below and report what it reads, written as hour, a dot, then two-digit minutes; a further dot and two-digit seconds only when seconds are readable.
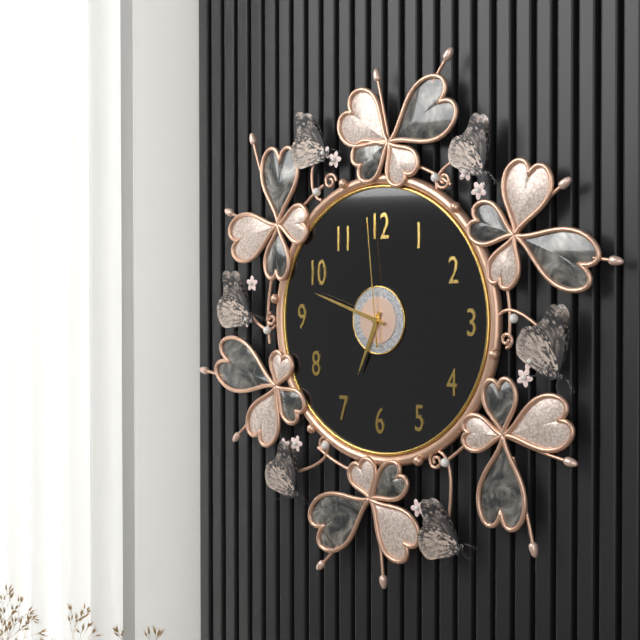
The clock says 6.48.59
